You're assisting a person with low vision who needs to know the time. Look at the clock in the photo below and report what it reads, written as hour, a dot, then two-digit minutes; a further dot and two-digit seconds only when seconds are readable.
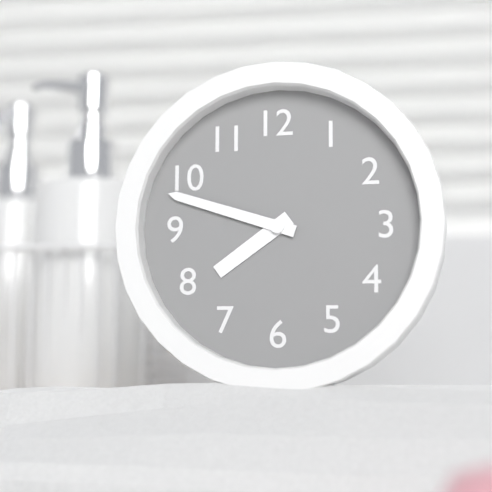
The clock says 7.48
